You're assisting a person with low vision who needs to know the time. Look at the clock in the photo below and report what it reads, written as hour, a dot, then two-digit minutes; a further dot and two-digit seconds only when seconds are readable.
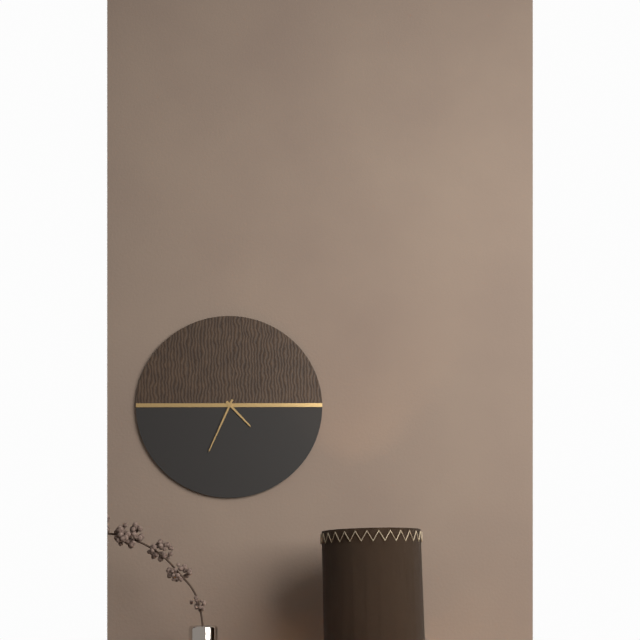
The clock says 4.34
